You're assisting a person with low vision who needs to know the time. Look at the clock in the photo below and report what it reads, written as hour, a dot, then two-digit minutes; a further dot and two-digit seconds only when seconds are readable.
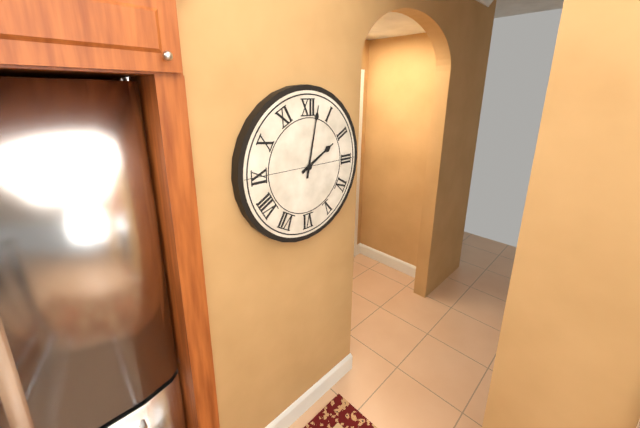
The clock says 2.02
